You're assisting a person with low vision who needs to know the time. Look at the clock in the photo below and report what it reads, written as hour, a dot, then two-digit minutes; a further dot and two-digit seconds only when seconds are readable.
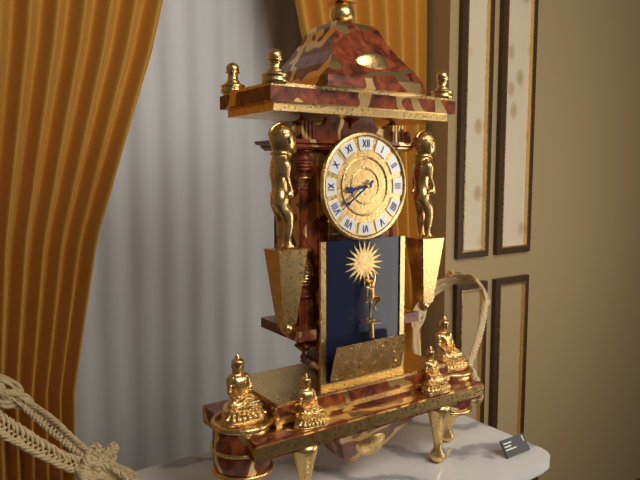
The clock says 8.39
